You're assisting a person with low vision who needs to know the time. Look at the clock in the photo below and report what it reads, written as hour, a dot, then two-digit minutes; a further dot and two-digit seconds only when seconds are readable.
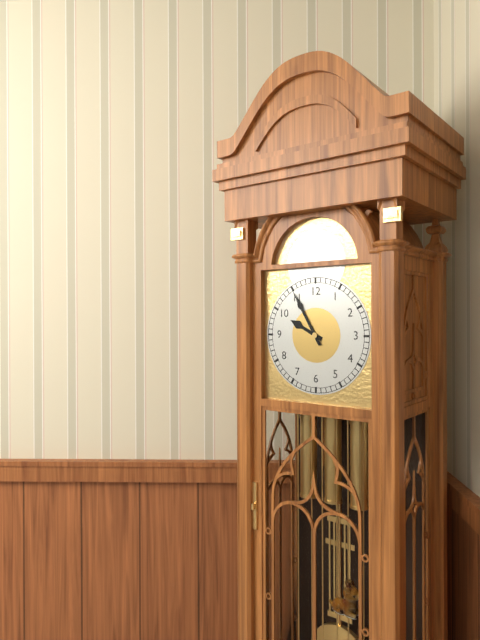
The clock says 9.55
